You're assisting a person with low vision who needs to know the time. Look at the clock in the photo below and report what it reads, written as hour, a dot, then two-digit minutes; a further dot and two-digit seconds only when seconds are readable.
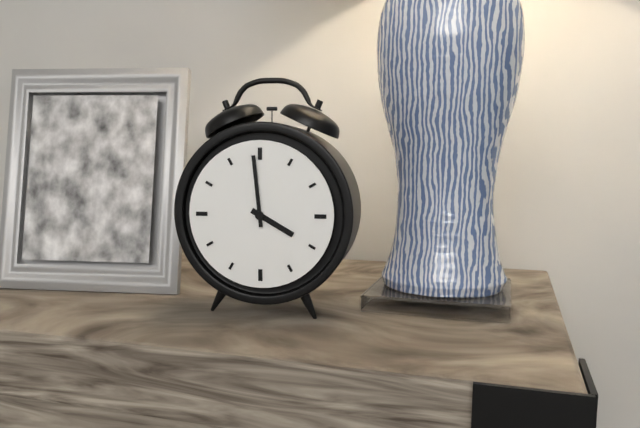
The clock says 3.59
